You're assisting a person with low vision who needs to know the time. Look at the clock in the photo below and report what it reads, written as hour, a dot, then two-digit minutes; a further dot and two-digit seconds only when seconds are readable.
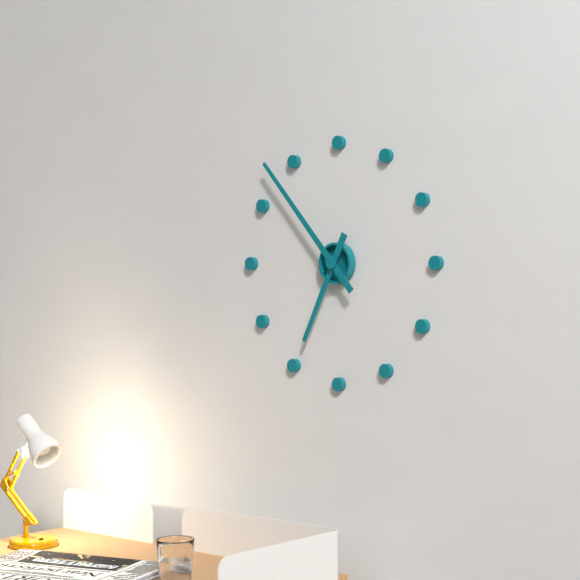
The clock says 6.53
